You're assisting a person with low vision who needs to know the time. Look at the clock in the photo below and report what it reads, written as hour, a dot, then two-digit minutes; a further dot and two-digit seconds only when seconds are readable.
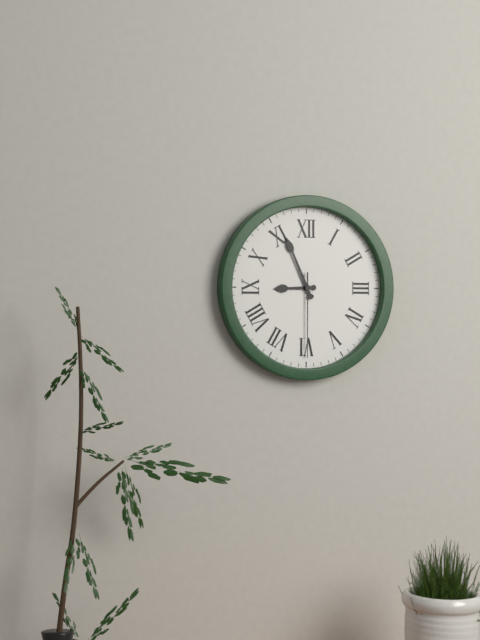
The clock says 8.56.30
